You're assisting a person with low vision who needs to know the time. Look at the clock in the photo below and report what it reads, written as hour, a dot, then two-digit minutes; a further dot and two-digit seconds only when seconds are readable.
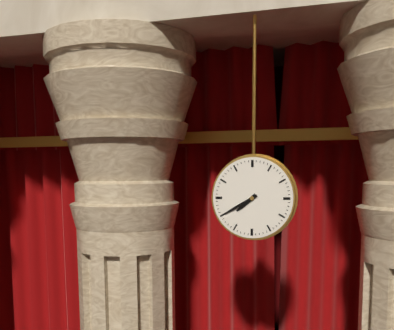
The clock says 7.40
